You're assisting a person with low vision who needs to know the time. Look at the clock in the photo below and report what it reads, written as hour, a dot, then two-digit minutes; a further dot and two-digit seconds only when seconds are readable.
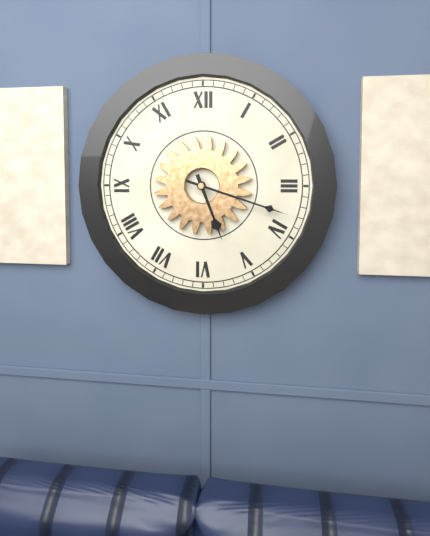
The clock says 5.18
